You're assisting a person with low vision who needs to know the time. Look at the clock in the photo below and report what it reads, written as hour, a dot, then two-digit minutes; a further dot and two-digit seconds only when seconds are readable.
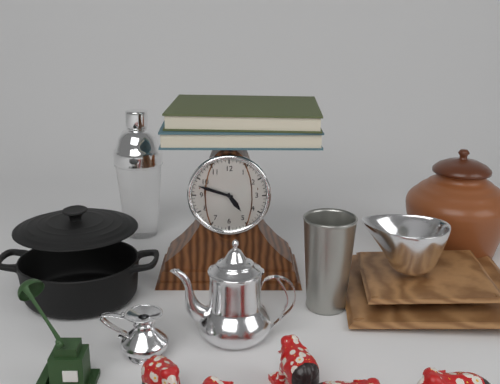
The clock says 4.48
